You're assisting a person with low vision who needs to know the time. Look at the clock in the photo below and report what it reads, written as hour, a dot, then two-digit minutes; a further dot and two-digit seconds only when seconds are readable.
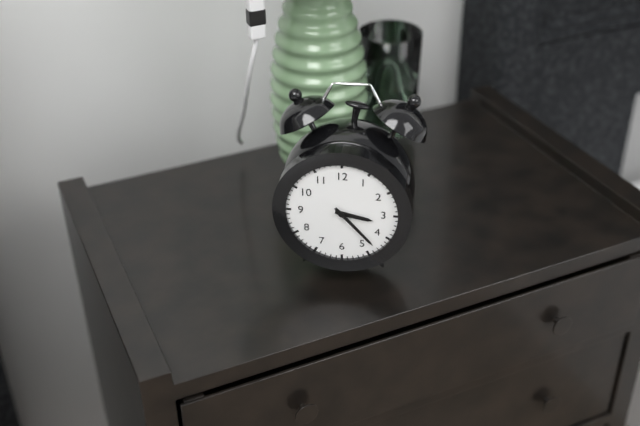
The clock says 3.23
